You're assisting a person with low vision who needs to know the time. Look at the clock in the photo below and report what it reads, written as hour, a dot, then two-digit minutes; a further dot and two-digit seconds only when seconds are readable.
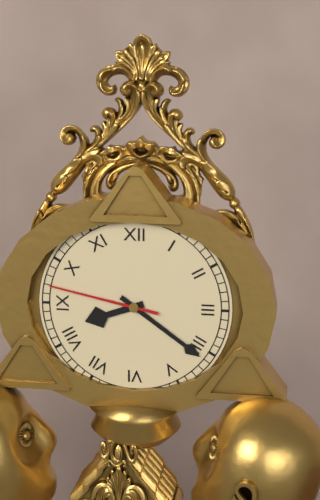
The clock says 8.21.47
